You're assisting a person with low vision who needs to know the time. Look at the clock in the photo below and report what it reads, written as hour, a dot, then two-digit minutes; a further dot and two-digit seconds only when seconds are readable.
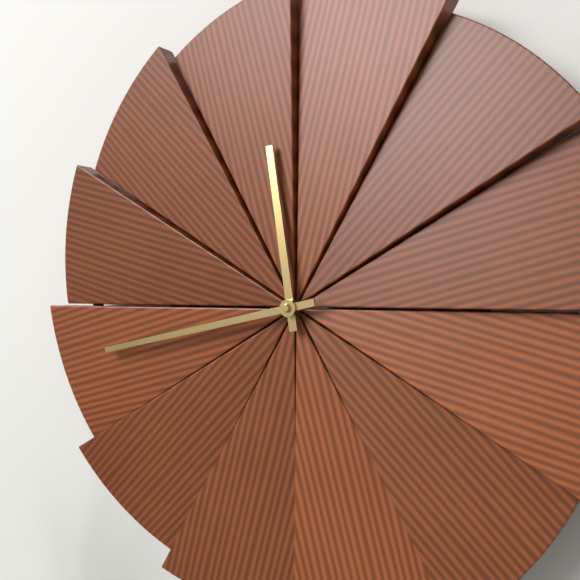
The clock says 11.43
